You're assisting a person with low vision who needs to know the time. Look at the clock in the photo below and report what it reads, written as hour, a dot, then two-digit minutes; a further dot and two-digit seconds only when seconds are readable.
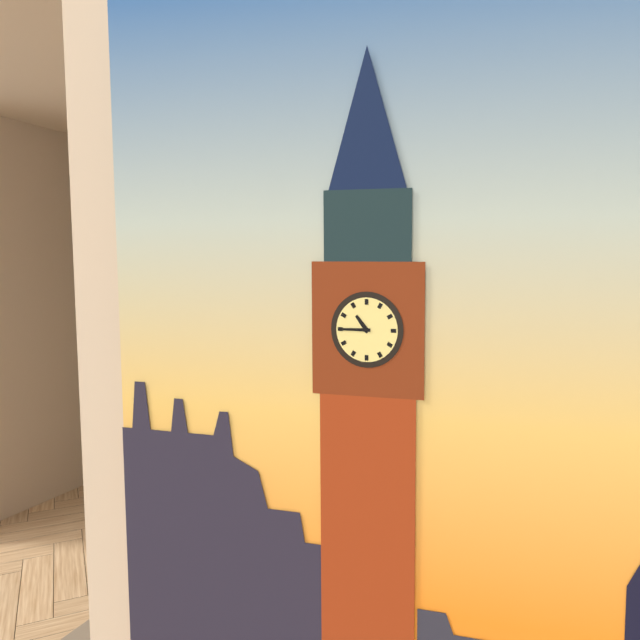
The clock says 10.45
